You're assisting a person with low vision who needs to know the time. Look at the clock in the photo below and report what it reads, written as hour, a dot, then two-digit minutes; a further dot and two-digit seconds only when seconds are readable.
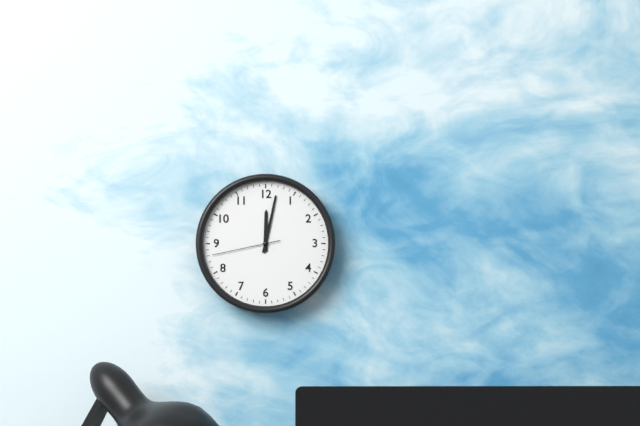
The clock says 12.02.43
